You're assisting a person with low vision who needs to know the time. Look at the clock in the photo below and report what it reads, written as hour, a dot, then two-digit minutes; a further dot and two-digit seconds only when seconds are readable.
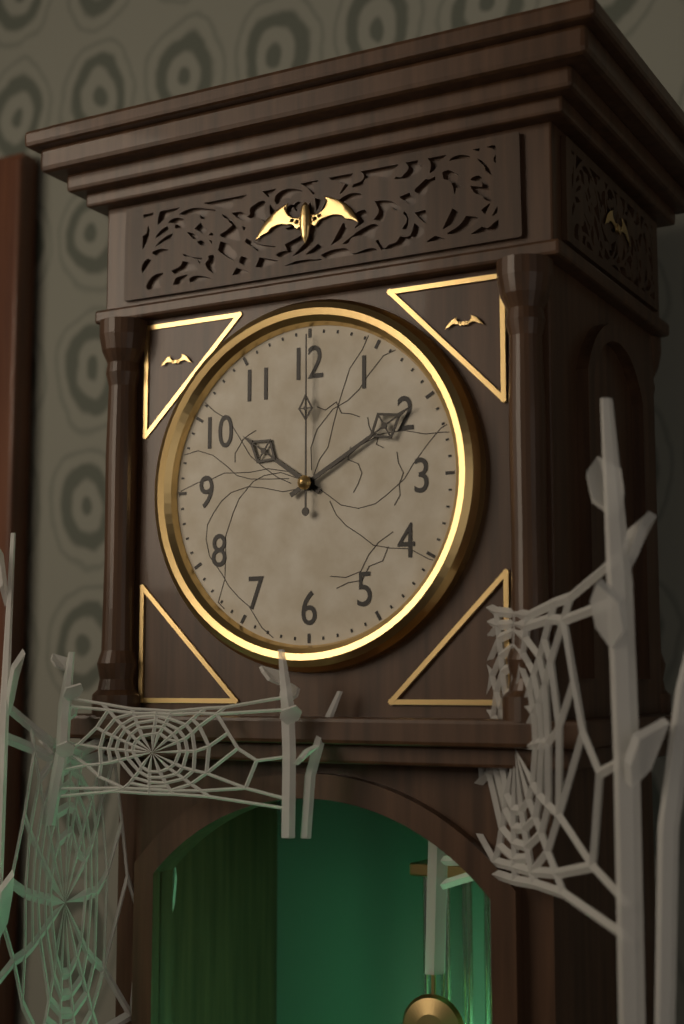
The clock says 10.10.00
